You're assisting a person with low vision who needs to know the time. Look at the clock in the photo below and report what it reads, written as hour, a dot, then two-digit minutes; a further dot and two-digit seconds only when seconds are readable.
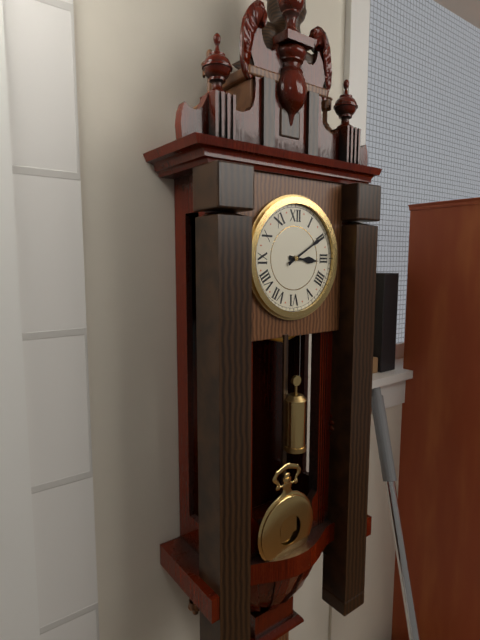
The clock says 3.10
